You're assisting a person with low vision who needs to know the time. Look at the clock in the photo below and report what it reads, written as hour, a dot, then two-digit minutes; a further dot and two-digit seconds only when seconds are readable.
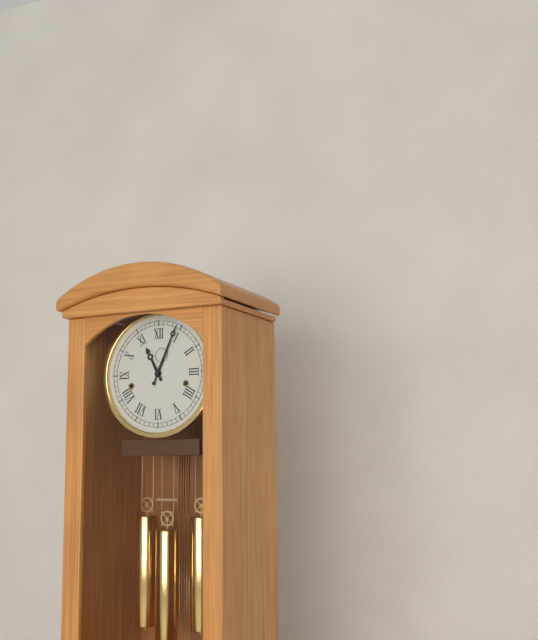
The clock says 11.04
